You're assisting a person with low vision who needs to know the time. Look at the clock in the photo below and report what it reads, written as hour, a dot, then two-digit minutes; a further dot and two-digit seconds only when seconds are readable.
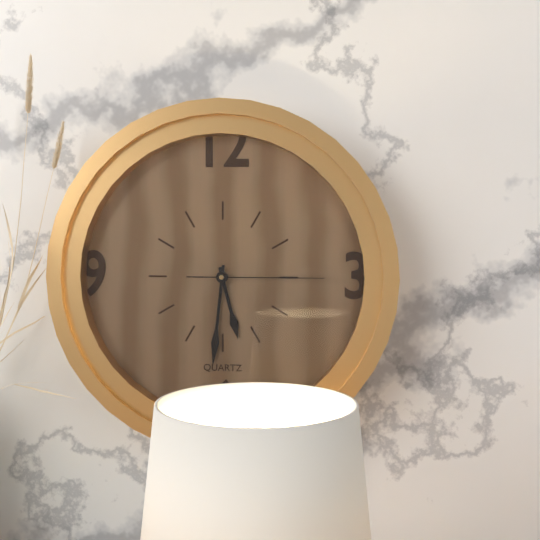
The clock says 5.31.15
